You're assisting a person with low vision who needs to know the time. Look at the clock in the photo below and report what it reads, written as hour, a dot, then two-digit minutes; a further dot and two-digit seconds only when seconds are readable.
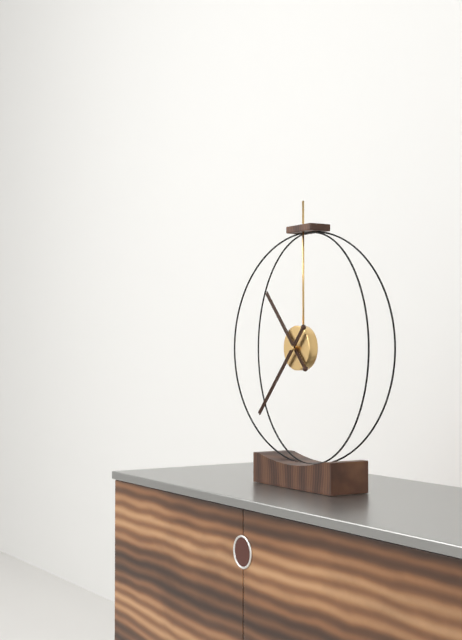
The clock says 10.37
